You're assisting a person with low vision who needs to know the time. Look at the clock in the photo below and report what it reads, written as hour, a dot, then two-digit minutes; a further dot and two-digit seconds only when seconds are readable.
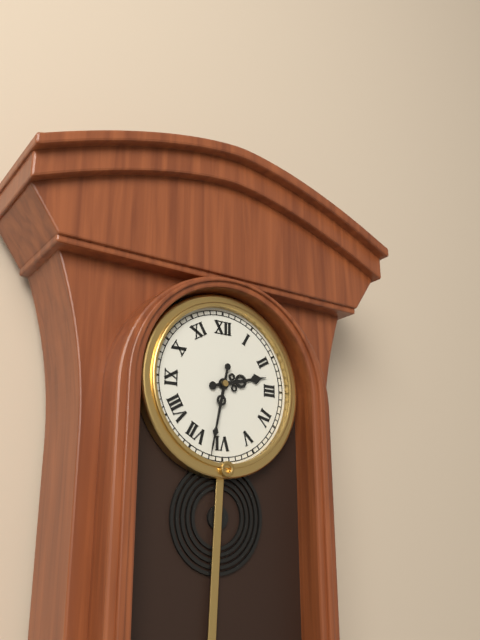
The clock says 2.32
